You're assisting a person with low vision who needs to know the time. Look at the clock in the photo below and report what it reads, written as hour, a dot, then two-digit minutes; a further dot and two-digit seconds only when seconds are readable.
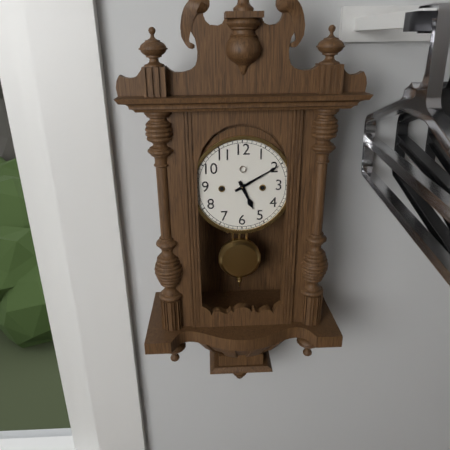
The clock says 5.10
